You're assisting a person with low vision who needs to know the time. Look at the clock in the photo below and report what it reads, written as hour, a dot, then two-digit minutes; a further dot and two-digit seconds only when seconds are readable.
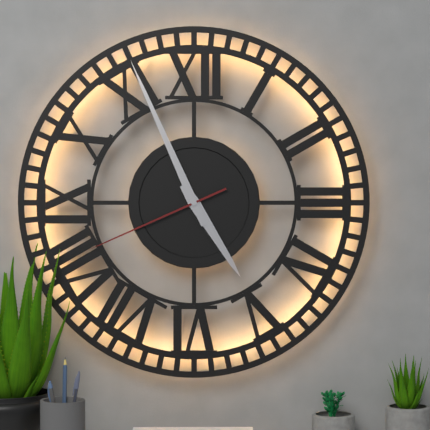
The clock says 4.56.41
